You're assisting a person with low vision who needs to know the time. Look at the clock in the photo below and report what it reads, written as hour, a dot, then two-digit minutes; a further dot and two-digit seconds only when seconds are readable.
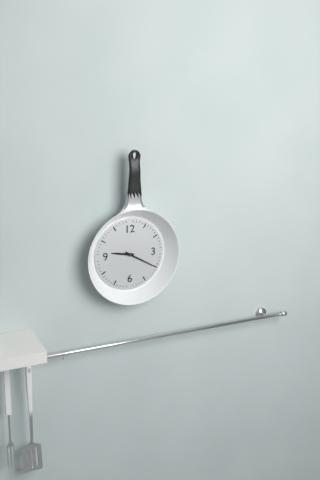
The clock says 9.20
